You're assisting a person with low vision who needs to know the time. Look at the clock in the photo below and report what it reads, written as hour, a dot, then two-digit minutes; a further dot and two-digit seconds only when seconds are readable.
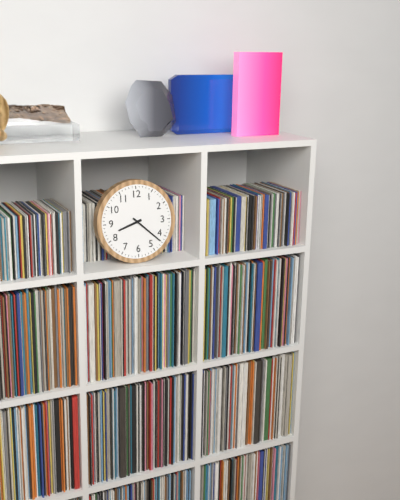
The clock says 8.22
